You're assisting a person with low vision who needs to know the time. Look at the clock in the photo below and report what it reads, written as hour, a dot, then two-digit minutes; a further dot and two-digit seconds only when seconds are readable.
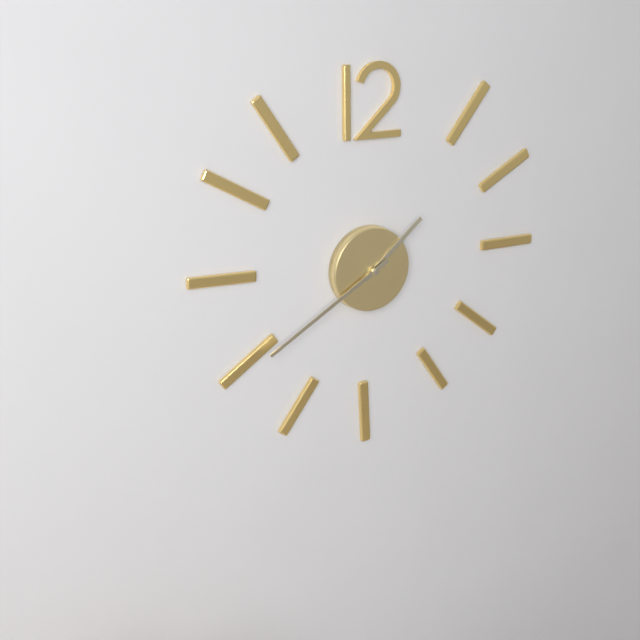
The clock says 1.40
